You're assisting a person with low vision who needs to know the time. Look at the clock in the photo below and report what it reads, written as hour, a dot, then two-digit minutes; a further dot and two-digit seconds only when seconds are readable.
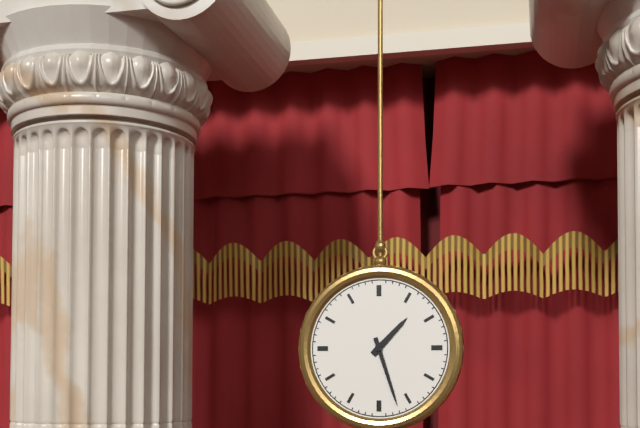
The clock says 1.27
